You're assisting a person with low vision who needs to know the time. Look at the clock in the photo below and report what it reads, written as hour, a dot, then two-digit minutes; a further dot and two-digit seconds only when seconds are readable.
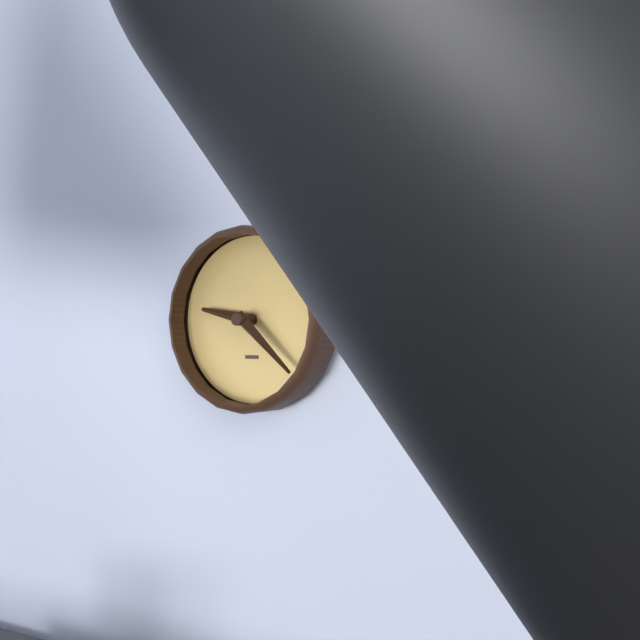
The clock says 9.22
